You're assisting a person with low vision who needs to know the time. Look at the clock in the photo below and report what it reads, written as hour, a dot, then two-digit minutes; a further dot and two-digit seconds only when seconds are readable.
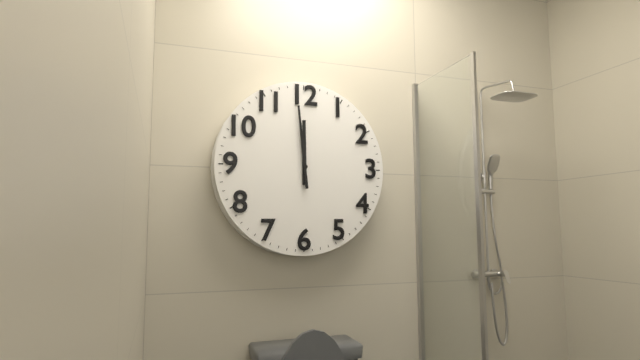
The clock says 11.59
